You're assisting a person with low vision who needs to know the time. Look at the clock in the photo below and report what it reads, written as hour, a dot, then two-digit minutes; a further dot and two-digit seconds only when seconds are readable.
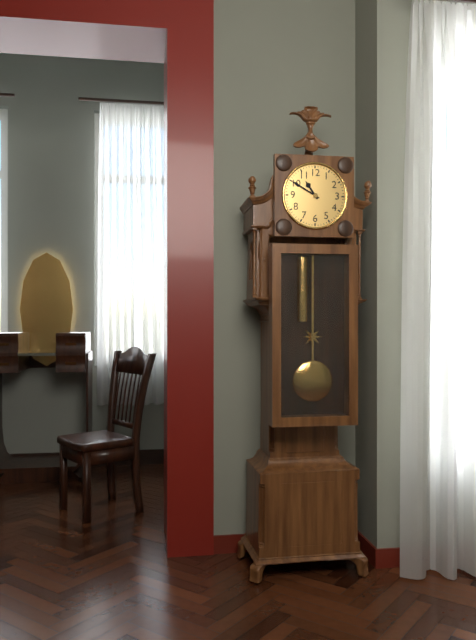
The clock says 10.50
